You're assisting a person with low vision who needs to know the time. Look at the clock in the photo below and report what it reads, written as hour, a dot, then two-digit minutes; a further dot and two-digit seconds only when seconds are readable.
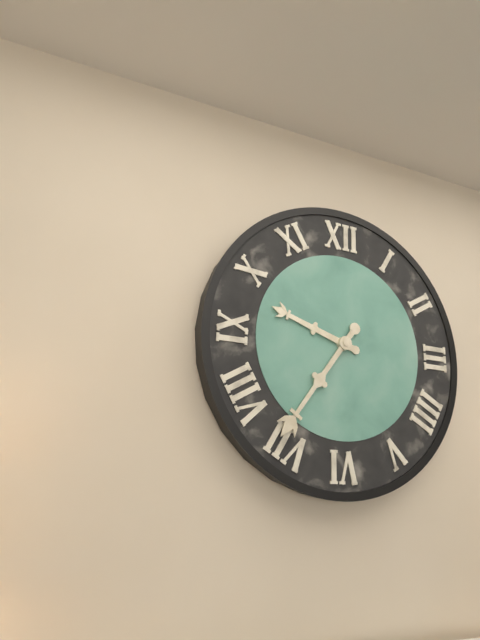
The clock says 9.36
